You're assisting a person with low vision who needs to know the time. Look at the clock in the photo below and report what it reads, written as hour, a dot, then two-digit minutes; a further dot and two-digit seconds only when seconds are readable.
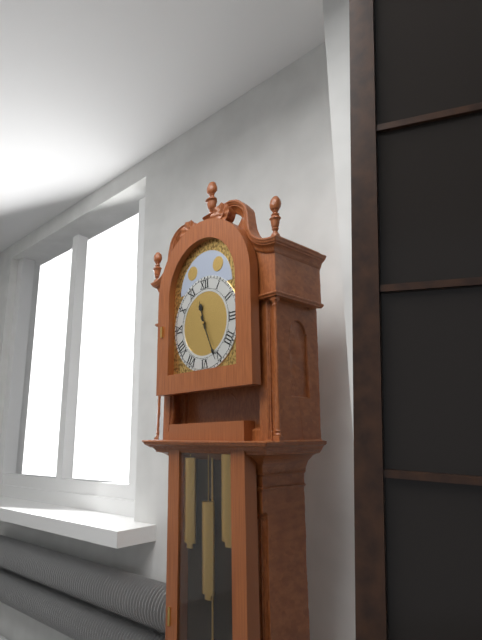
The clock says 11.26
